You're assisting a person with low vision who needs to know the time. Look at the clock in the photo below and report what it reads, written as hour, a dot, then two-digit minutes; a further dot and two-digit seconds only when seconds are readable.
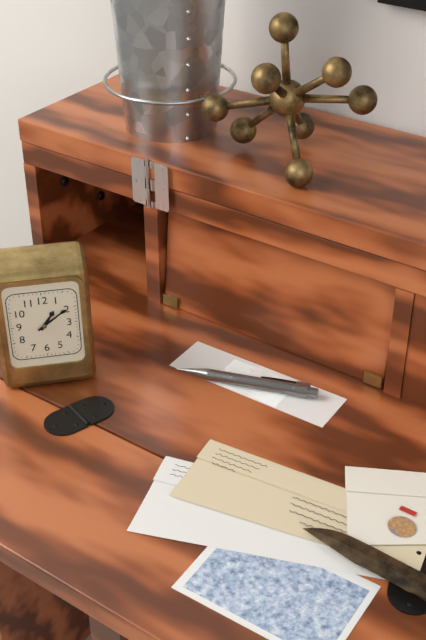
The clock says 1.09
